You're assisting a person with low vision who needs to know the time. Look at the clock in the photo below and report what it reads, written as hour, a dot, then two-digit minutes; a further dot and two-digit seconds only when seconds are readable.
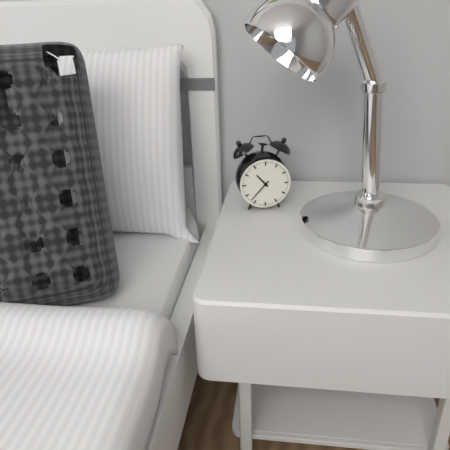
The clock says 10.37
